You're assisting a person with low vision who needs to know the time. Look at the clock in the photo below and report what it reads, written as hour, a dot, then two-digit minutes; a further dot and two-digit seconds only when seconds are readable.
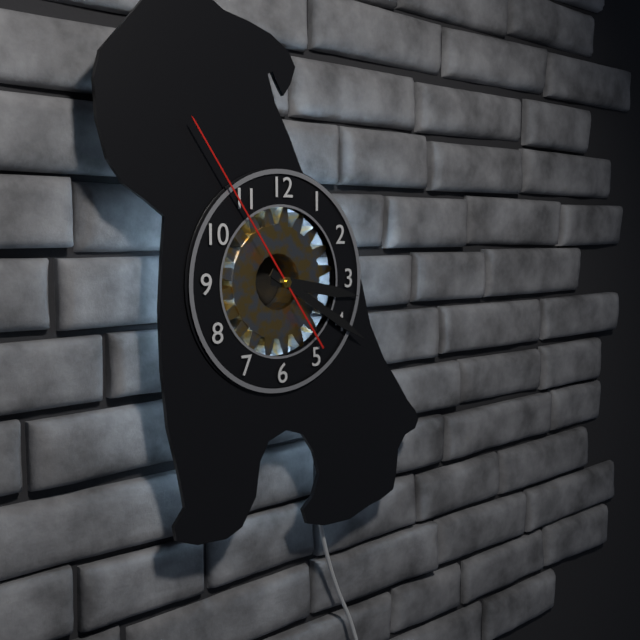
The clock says 3.20.54
